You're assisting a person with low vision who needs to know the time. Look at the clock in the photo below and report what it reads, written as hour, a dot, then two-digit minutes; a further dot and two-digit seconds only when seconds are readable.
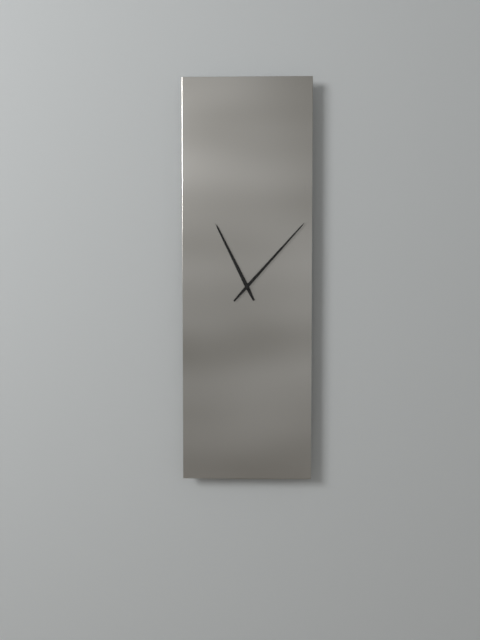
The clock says 11.07
